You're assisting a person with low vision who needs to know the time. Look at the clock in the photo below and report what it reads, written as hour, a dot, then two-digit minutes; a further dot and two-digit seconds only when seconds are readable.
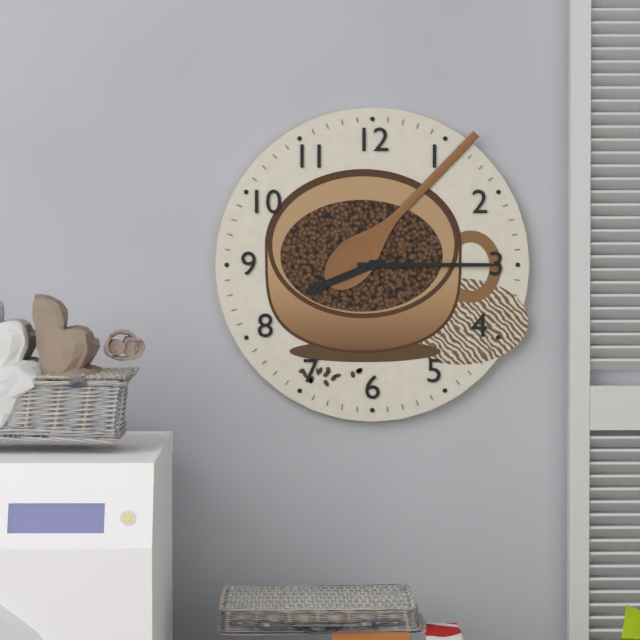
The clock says 8.15
